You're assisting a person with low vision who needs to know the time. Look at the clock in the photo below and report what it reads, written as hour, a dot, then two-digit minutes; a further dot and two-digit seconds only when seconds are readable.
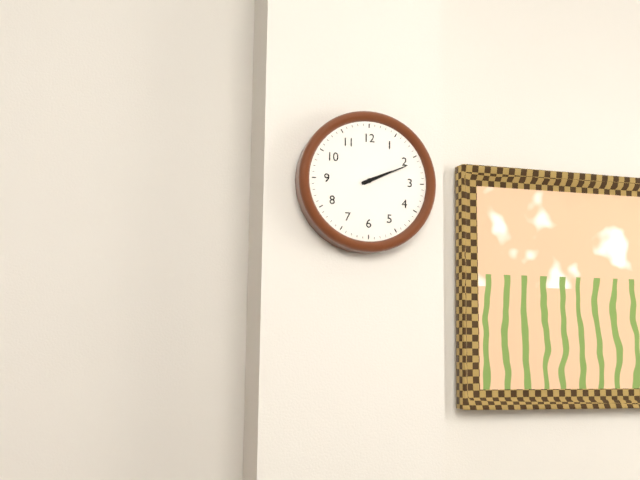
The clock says 2.11
